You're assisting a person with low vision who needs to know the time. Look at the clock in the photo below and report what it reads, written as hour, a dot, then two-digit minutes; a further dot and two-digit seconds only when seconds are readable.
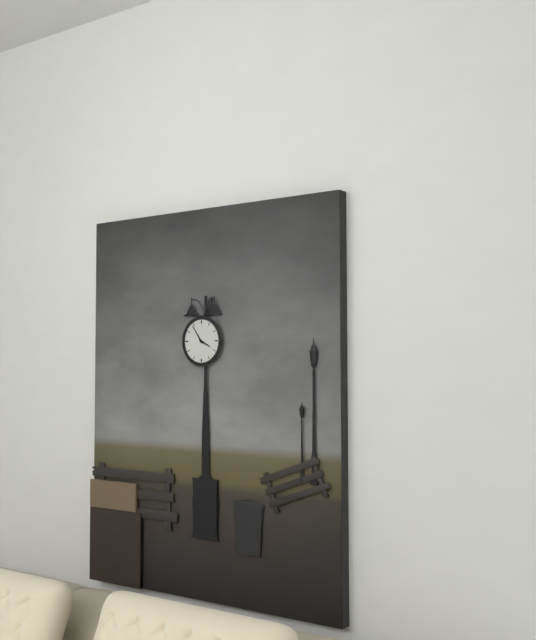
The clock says 3.54
